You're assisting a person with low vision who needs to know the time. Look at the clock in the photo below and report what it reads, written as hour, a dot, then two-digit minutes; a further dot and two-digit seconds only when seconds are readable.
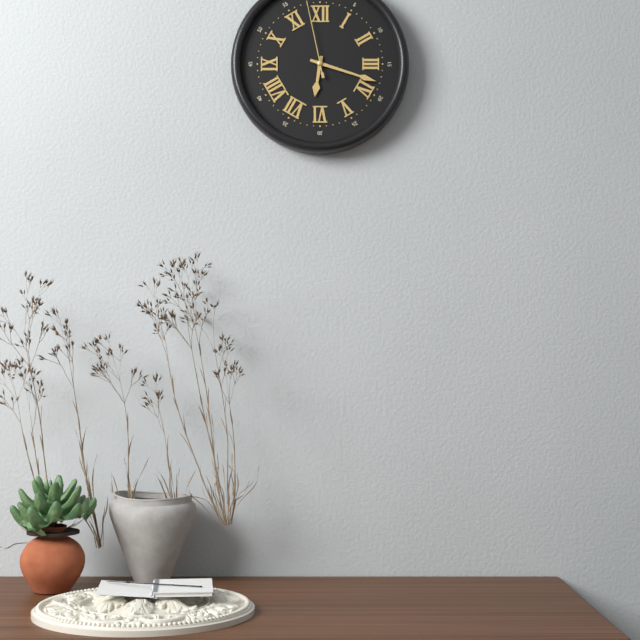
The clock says 6.18.58
